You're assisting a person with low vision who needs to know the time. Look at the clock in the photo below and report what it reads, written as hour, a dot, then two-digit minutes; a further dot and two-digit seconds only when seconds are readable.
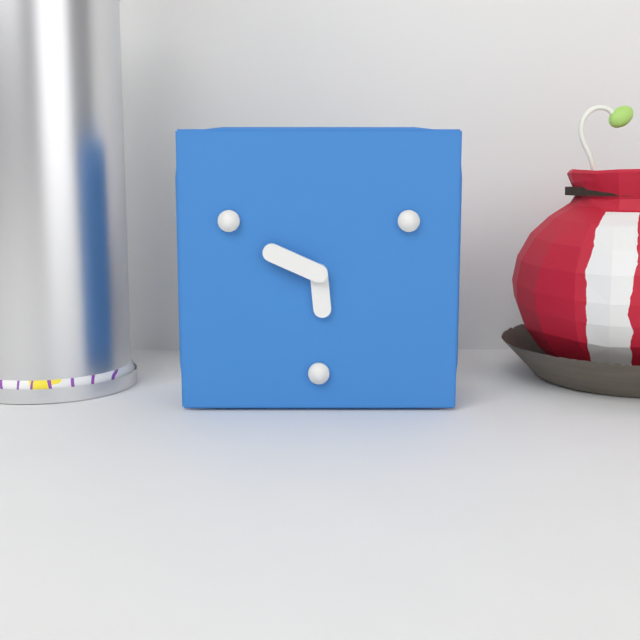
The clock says 5.49
